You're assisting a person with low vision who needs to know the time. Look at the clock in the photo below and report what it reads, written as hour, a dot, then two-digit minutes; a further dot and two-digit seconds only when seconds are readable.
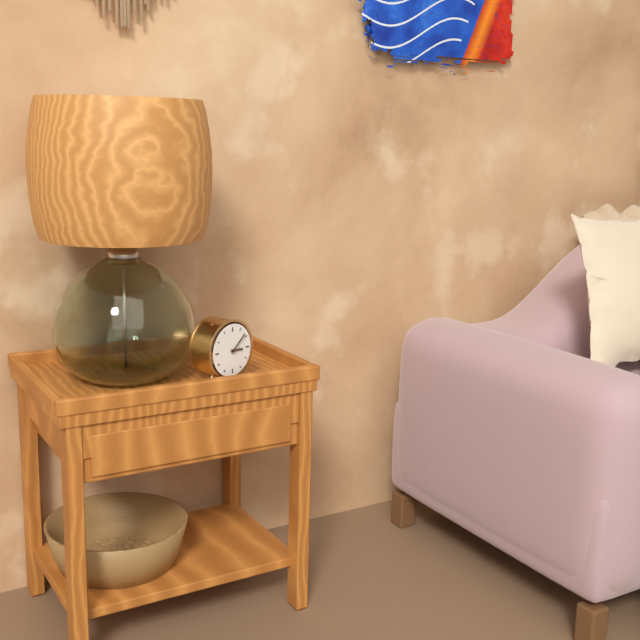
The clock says 3.08
